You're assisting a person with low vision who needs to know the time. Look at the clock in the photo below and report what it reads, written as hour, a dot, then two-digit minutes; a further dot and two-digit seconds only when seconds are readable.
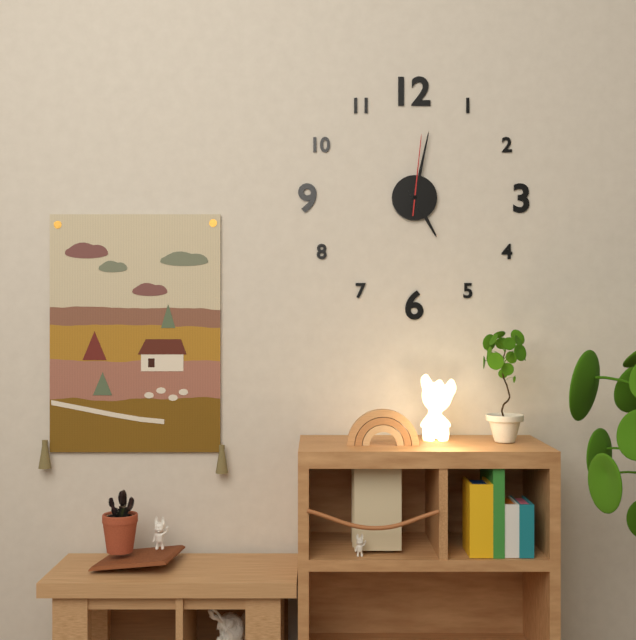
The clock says 5.02.01
